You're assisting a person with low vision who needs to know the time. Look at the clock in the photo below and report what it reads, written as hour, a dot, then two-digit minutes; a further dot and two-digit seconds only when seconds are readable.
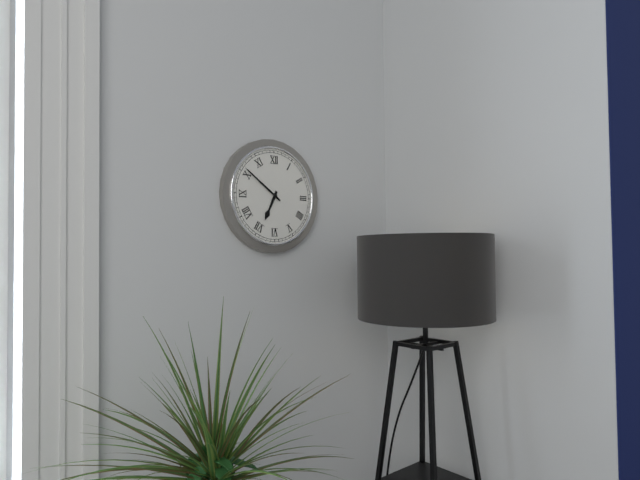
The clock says 6.51
